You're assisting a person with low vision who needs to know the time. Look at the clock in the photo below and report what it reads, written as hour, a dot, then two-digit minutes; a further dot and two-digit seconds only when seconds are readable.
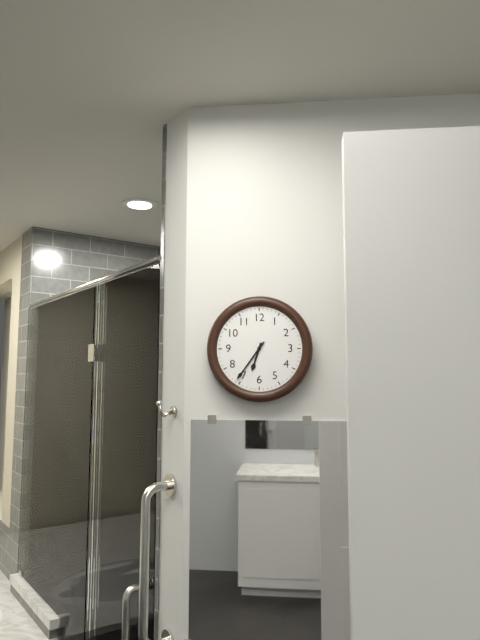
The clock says 6.36
